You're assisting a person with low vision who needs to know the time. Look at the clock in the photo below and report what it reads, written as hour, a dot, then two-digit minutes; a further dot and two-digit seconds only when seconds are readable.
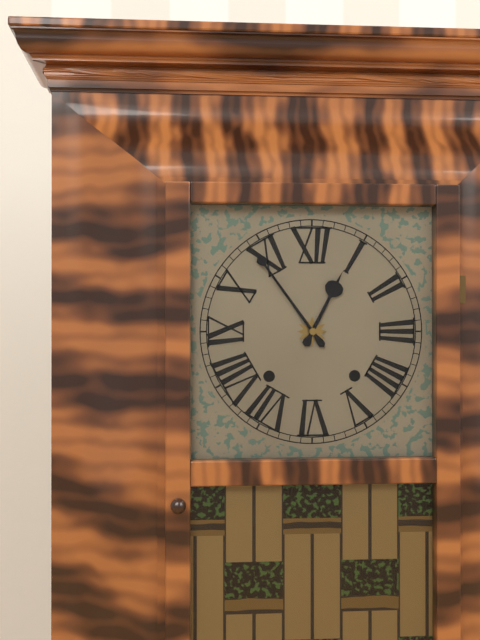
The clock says 12.54
